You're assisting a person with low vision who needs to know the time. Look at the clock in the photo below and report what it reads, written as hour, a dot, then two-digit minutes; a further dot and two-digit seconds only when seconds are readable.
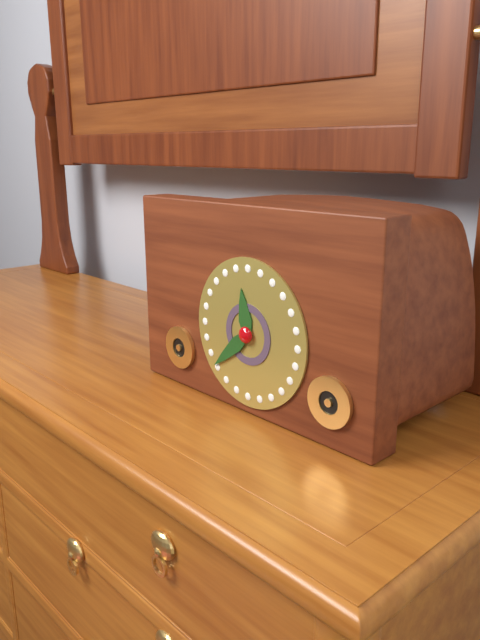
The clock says 11.38
